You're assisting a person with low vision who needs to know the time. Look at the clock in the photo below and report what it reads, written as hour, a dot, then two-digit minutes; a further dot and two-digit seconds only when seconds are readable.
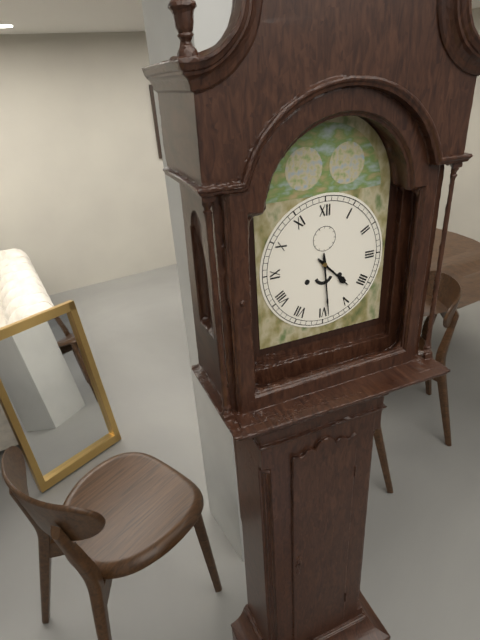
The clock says 4.29
